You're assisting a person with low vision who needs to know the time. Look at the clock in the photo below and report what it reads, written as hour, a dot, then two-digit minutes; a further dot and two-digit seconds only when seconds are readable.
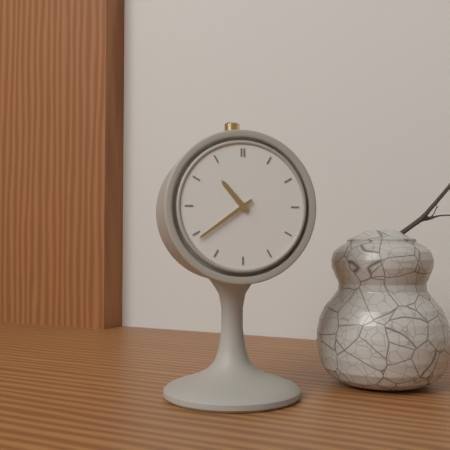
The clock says 10.39
